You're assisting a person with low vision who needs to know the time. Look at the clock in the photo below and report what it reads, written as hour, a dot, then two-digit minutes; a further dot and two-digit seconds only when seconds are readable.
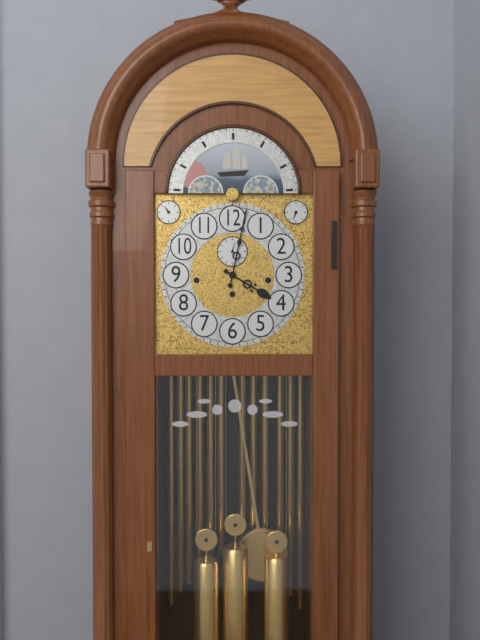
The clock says 4.02
